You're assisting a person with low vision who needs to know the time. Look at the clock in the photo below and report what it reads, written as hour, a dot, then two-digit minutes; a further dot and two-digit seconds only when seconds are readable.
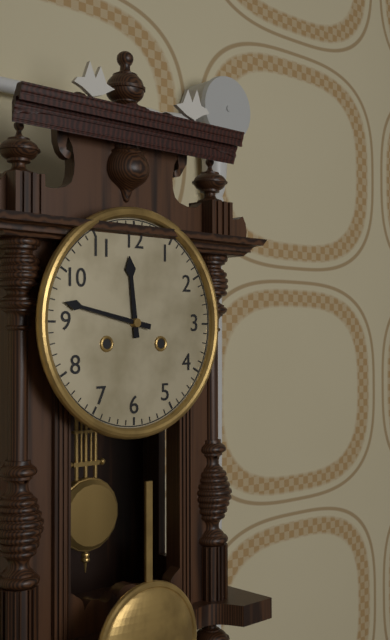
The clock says 11.47
